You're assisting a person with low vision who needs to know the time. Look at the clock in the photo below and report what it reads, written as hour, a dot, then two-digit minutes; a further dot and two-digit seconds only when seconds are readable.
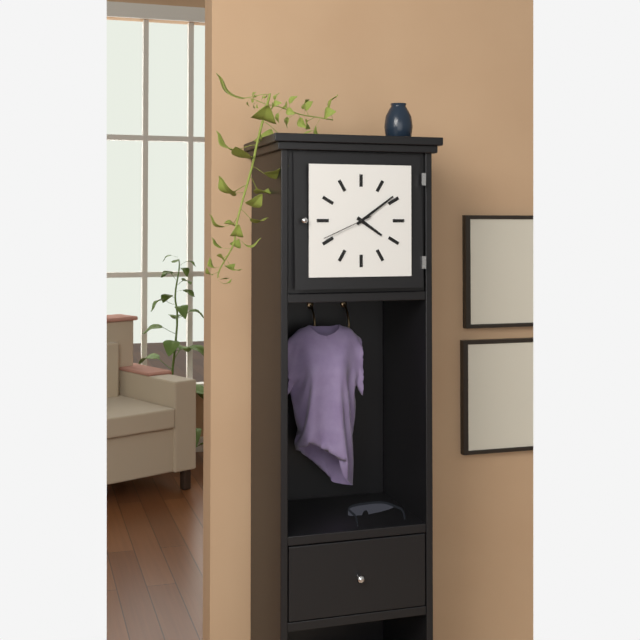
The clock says 4.09.41
